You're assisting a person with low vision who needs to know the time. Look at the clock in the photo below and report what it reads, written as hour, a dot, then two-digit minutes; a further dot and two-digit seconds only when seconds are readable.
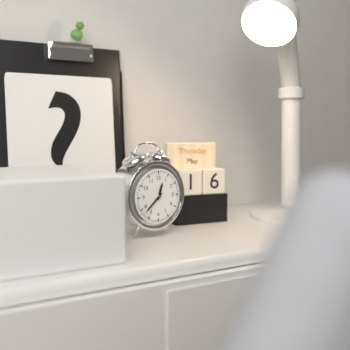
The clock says 12.38
